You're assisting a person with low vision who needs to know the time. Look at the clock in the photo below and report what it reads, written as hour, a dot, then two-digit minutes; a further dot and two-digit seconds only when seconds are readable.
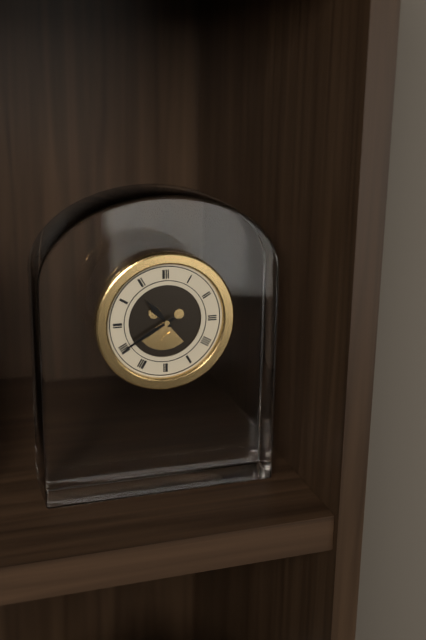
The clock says 10.40
